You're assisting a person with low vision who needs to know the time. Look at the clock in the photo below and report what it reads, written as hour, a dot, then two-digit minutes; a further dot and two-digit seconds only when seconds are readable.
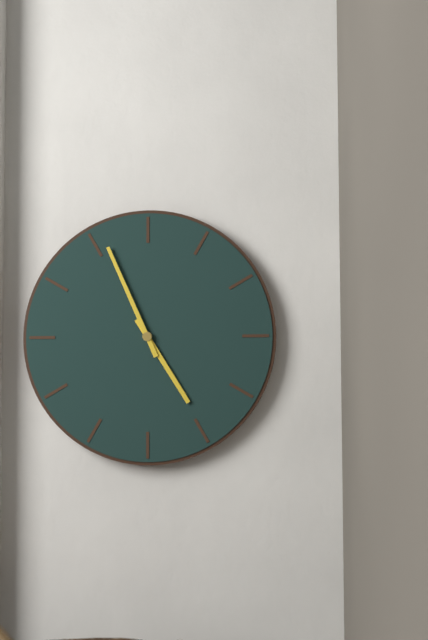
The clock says 4.56
